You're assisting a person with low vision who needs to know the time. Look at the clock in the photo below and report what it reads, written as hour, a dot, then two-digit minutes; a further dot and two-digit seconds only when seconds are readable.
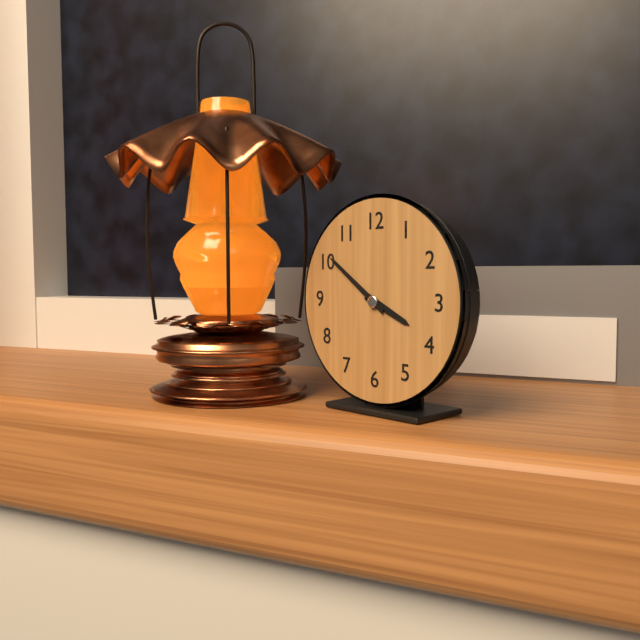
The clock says 3.51
